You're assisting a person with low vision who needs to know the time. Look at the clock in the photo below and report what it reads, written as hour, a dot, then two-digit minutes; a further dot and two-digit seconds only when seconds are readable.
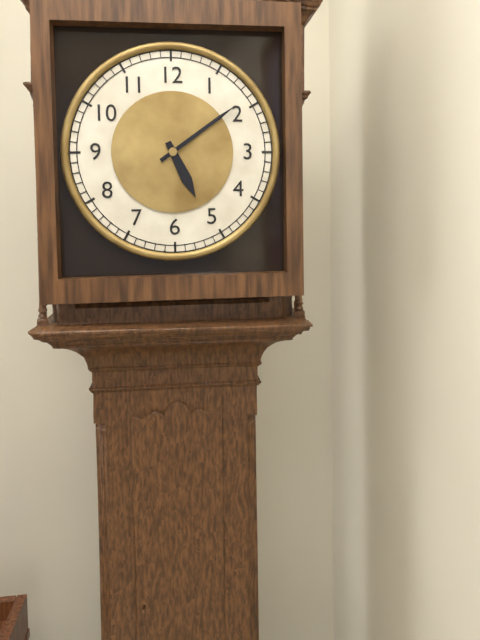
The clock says 5.09
